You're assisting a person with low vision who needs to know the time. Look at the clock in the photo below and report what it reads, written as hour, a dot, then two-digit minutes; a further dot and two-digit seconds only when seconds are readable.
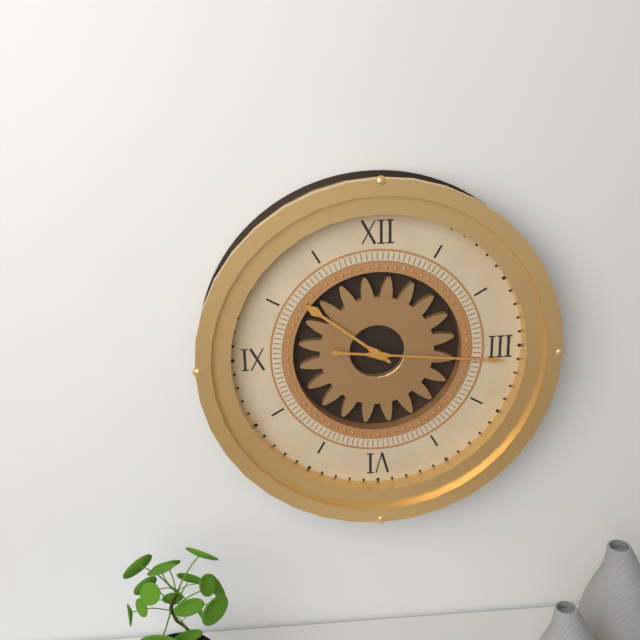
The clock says 10.16
